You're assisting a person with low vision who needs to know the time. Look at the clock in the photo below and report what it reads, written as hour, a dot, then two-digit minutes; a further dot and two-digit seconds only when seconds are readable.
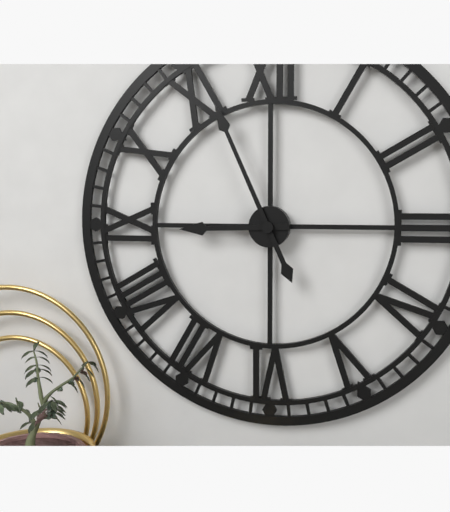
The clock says 8.56
